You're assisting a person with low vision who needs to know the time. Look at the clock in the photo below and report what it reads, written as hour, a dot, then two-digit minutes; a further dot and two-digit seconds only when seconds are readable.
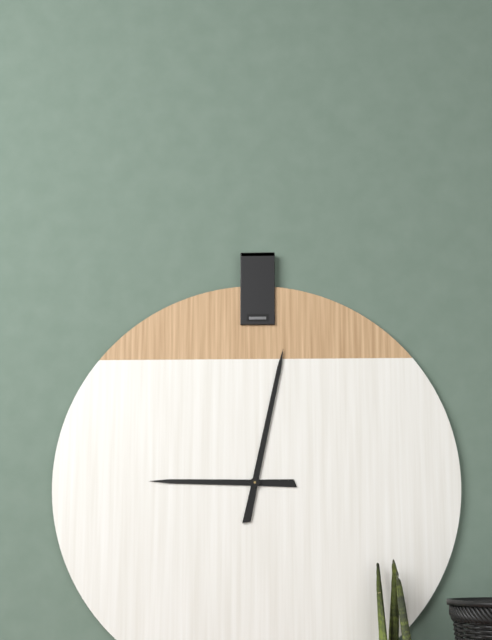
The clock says 9.02
